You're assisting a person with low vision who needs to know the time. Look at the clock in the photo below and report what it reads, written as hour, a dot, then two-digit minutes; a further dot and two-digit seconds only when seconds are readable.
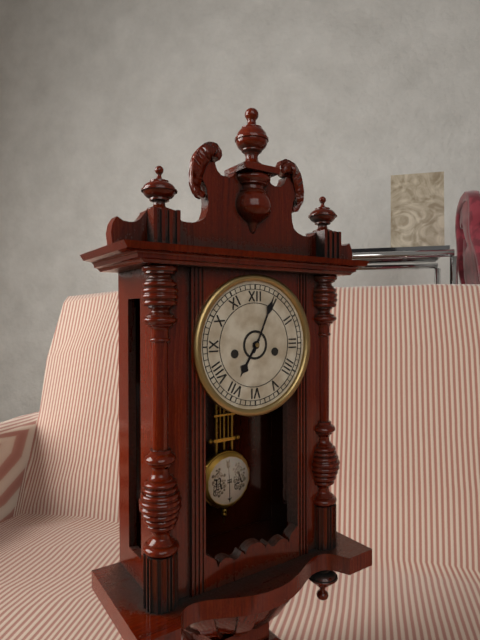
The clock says 7.04
